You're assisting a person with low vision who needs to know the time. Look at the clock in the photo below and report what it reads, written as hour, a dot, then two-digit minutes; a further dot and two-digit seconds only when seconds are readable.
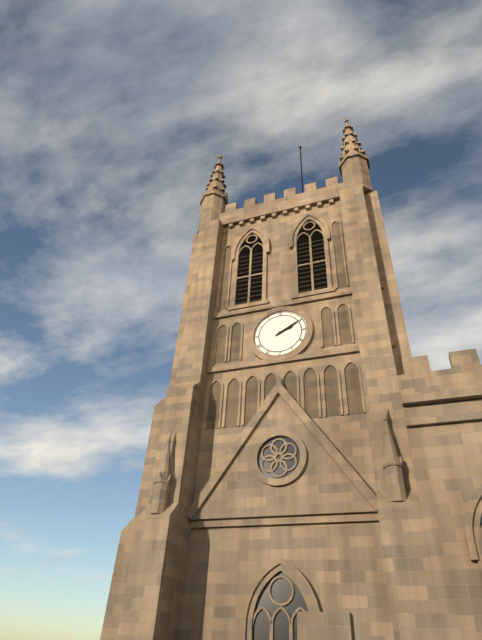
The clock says 2.10
